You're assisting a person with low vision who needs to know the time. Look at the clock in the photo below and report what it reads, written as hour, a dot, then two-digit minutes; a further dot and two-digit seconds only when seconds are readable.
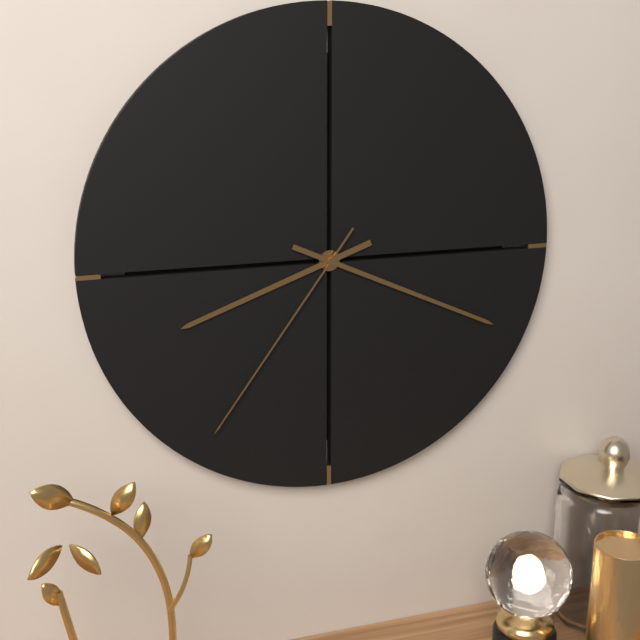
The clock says 8.19.36
